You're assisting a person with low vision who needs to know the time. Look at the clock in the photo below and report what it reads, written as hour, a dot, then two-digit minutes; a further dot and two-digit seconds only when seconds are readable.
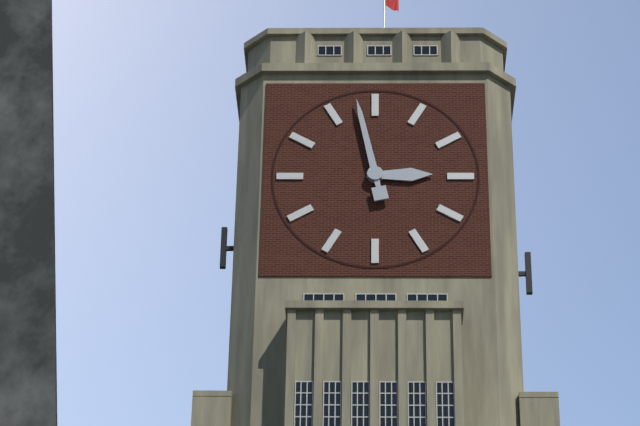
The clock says 2.58
